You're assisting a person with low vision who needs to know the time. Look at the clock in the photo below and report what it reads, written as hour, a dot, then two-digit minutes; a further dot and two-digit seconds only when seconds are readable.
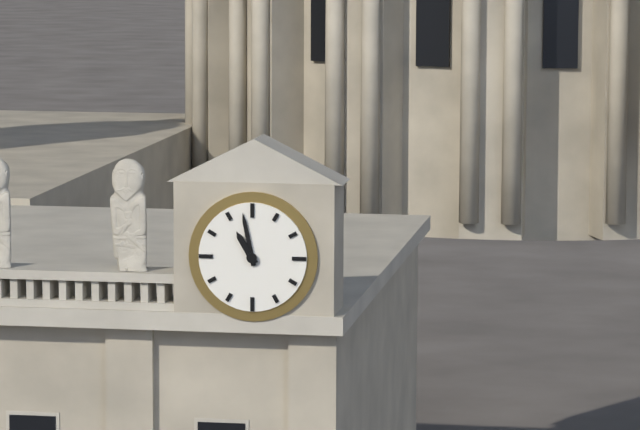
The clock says 10.58
